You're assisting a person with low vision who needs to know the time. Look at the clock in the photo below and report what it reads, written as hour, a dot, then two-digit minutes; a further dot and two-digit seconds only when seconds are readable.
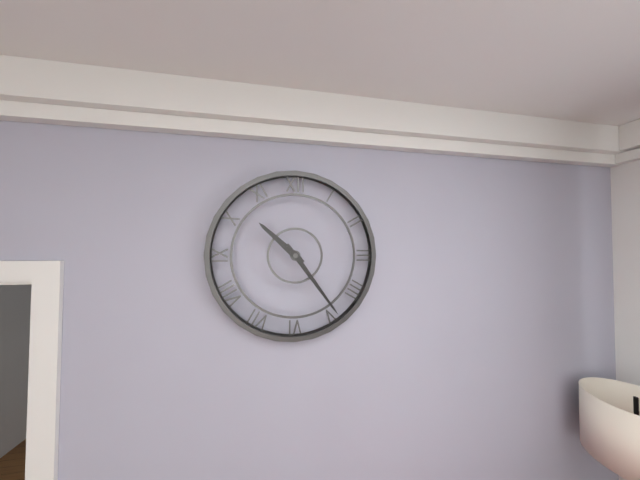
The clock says 10.24
